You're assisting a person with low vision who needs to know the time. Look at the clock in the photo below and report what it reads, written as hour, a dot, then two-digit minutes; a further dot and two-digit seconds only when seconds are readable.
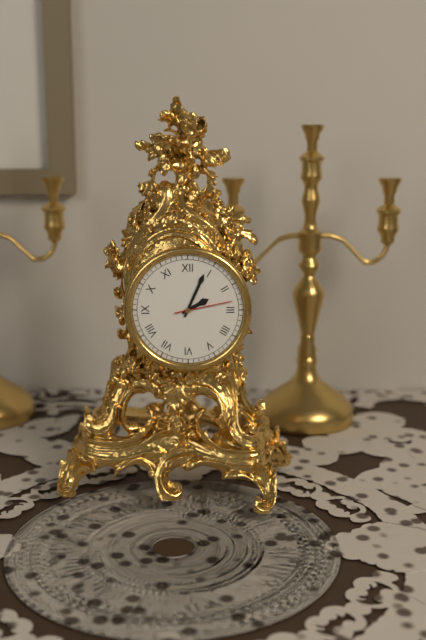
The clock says 2.04.13
